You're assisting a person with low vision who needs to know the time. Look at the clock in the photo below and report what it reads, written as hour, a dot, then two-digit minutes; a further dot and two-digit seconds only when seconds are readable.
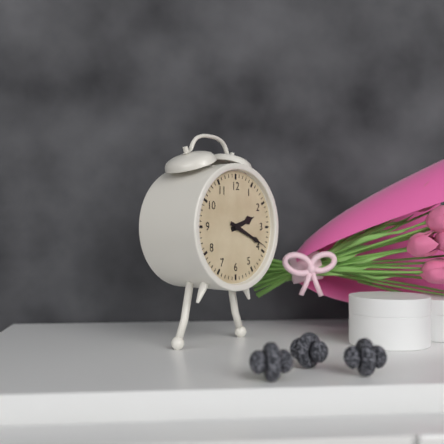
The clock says 2.19
